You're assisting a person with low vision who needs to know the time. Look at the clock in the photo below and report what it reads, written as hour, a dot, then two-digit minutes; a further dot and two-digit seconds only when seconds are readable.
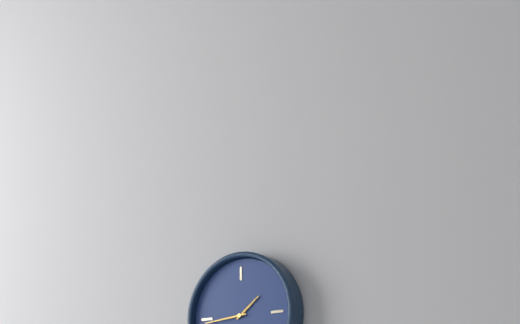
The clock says 1.44
